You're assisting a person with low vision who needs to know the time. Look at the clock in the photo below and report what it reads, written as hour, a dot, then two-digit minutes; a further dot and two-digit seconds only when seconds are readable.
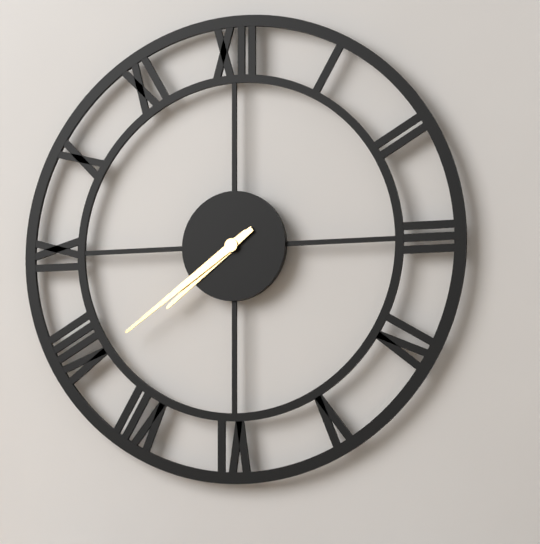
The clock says 7.39
